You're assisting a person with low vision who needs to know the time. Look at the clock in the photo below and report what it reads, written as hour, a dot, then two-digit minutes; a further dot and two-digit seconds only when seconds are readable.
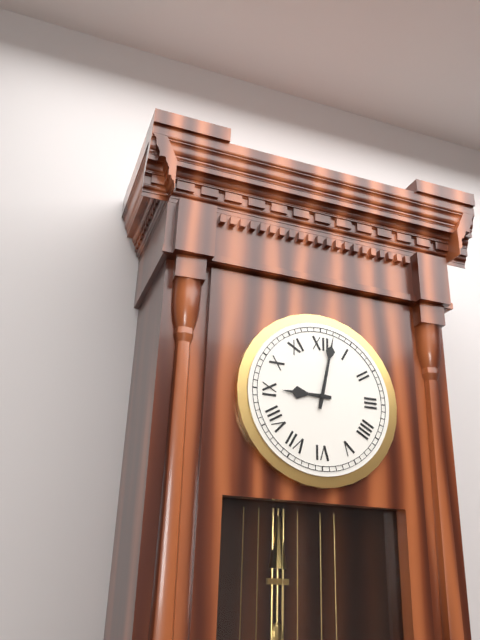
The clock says 9.02
